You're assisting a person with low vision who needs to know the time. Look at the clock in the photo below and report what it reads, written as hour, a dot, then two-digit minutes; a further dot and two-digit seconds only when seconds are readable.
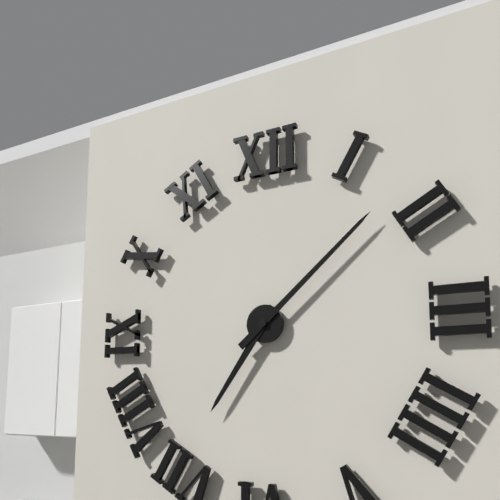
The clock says 7.08
